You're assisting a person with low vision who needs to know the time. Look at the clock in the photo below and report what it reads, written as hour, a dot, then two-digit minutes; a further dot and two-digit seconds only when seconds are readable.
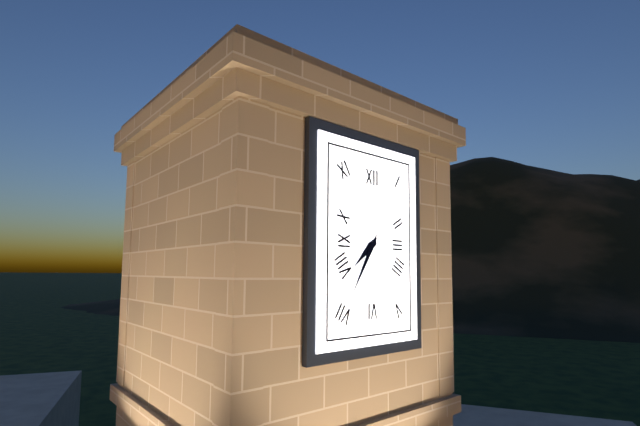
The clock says 7.35
